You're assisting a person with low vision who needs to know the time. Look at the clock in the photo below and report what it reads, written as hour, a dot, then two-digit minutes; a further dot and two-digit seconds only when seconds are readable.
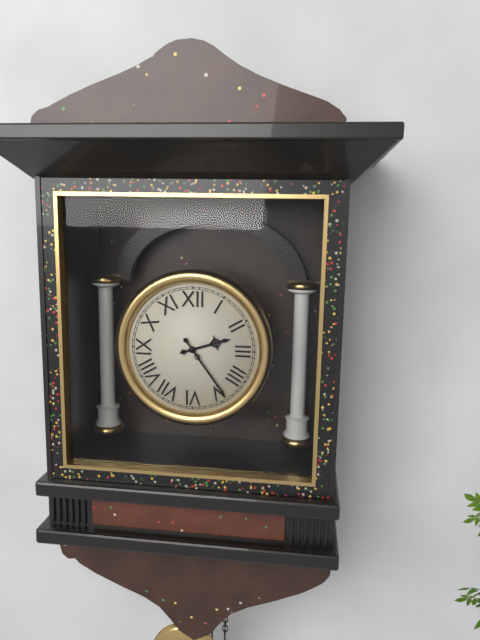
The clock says 2.24
